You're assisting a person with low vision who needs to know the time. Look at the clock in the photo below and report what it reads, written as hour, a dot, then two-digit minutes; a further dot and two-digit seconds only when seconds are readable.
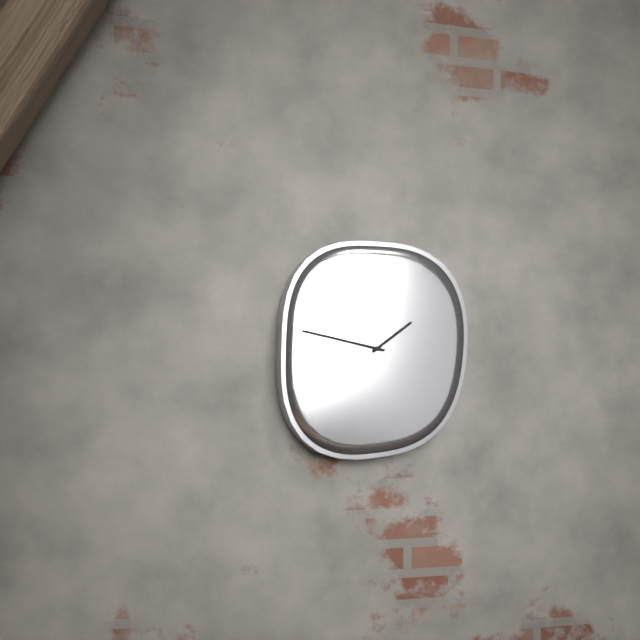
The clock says 1.47
